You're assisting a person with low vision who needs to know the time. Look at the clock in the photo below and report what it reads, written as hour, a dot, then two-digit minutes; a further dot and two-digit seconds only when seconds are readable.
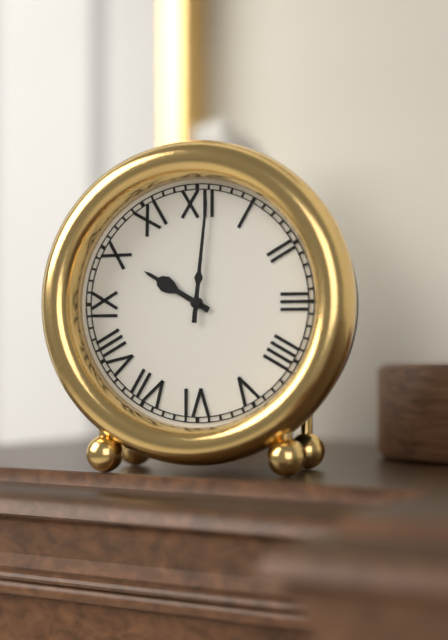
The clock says 10.01
